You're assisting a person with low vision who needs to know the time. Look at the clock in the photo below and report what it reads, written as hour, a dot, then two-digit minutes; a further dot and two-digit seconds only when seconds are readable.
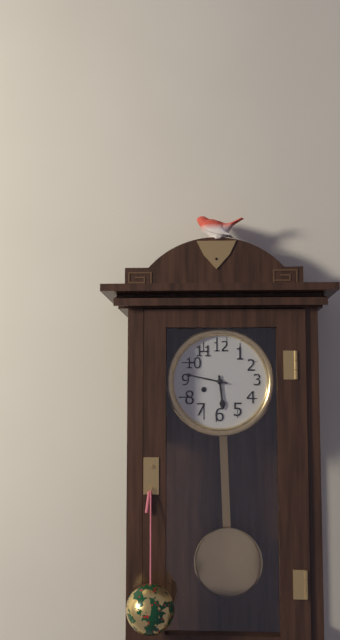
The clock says 5.47
